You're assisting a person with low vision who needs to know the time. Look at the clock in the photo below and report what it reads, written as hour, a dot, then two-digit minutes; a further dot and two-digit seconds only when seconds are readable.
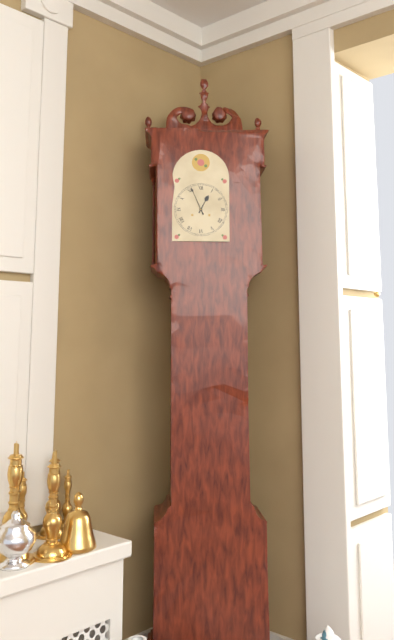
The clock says 12.56
